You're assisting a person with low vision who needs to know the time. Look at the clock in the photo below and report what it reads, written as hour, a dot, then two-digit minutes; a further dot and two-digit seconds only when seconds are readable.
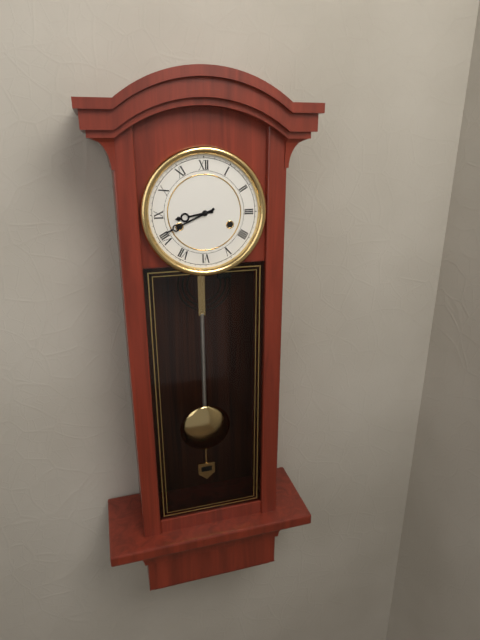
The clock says 8.41
